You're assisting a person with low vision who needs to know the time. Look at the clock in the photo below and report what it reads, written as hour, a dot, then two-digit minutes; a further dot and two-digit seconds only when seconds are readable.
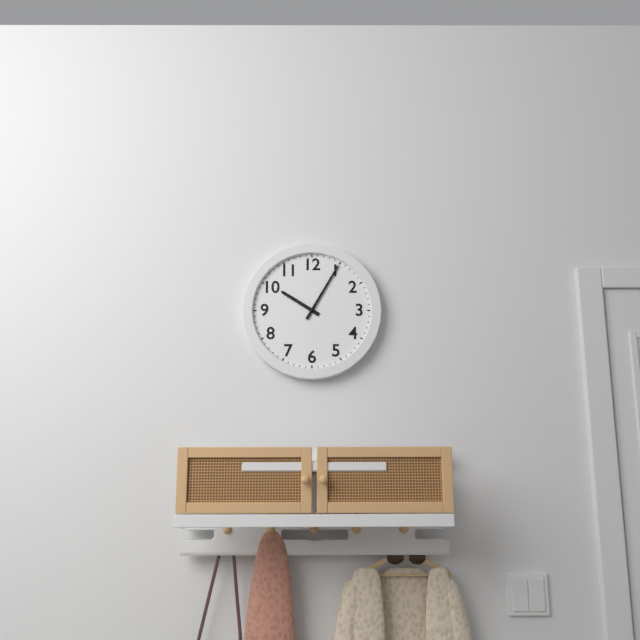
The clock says 10.05
